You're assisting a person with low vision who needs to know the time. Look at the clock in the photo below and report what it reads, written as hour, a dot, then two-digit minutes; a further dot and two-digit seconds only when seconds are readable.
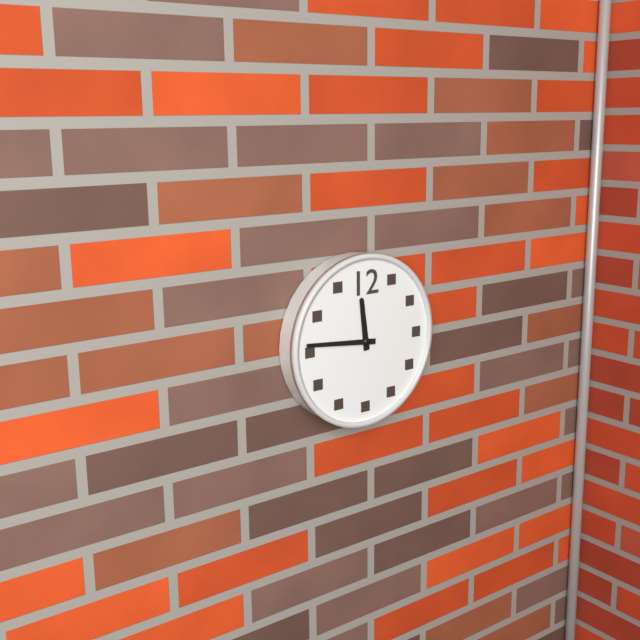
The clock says 11.46
